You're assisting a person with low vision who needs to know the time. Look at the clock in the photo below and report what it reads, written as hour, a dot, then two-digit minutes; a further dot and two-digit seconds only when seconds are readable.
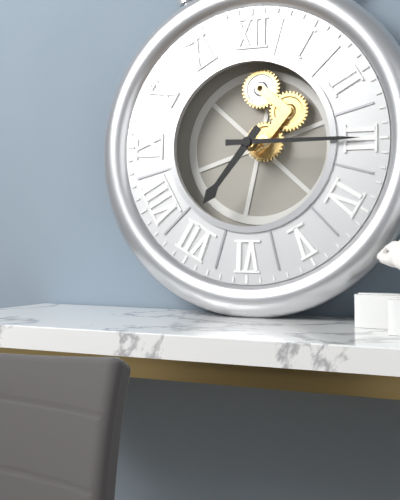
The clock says 7.15
